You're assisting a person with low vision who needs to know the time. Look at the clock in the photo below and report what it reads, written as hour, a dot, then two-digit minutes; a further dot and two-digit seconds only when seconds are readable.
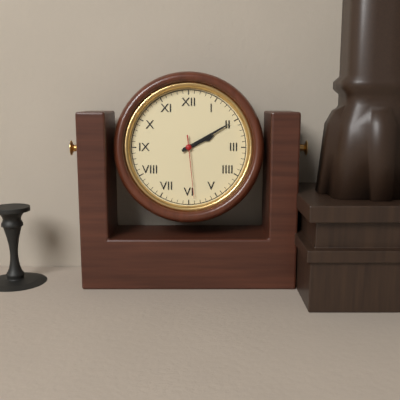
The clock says 2.10.29
